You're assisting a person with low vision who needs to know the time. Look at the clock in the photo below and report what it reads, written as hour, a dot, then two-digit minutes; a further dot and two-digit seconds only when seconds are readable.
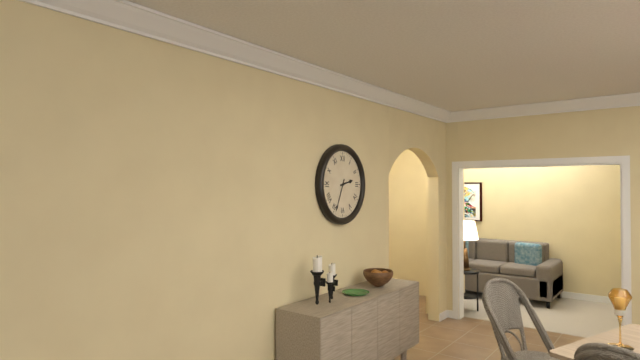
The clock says 2.34
